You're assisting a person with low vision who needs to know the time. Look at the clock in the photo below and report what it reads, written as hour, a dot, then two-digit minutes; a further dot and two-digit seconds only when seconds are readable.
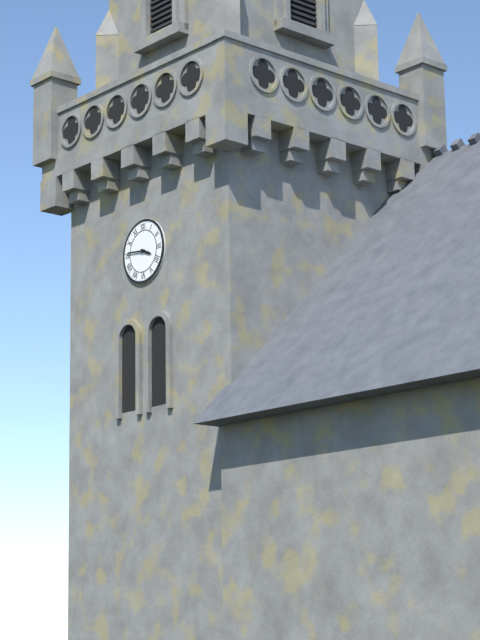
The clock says 3.46
